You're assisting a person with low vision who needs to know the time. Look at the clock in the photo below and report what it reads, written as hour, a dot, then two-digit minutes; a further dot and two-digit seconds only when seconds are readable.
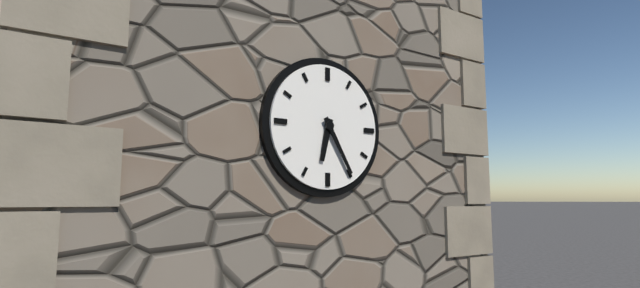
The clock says 6.25
